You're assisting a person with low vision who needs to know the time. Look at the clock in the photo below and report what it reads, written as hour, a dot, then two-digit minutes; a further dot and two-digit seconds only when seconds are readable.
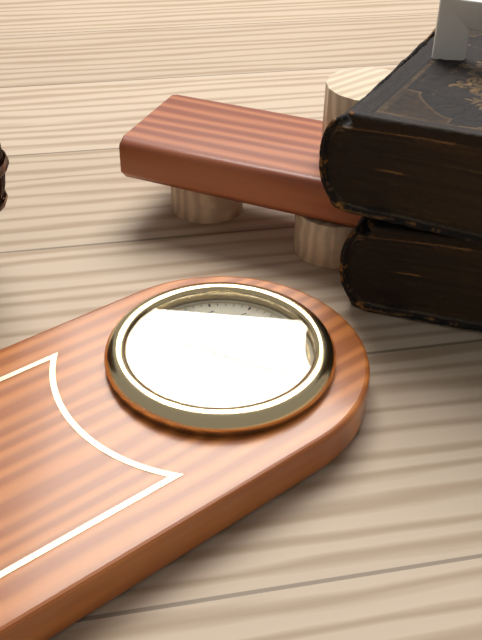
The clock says 8.11
